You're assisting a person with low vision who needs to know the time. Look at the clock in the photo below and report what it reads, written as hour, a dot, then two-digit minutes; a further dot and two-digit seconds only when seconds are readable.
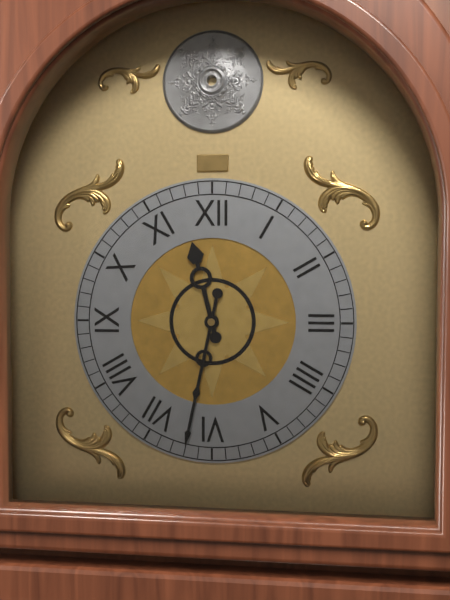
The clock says 11.32
